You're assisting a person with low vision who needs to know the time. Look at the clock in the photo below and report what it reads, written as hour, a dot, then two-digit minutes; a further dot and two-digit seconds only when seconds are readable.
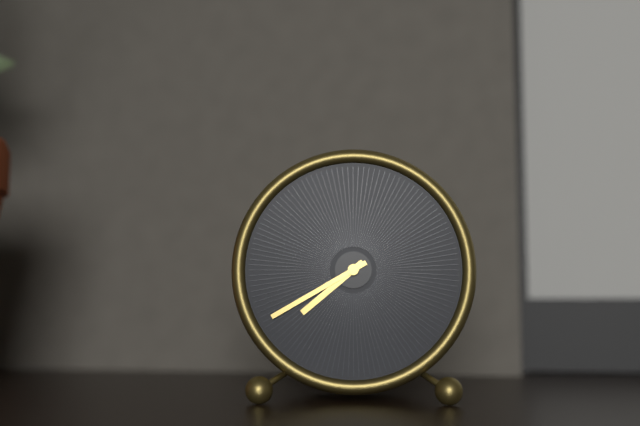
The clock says 7.40
